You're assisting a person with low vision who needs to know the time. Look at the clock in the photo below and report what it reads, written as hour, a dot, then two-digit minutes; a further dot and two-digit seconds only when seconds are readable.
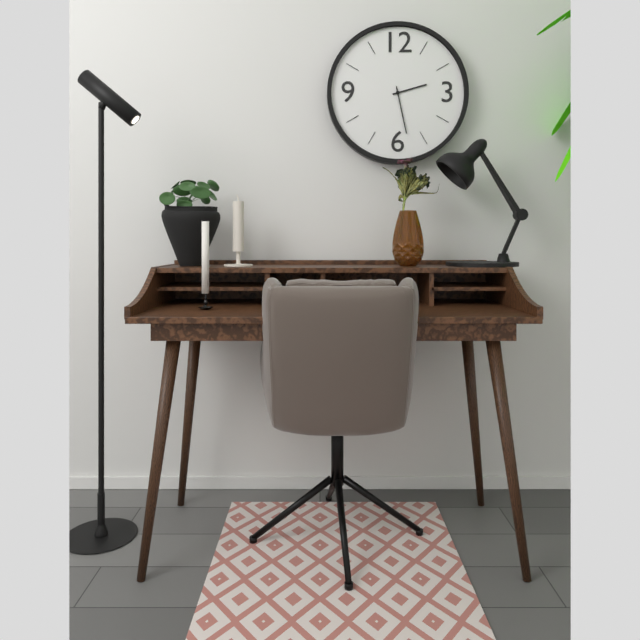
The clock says 2.28
